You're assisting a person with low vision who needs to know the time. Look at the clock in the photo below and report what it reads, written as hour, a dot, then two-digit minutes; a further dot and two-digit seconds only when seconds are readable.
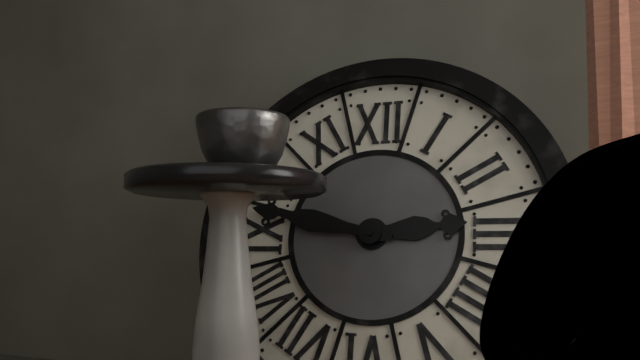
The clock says 2.47
